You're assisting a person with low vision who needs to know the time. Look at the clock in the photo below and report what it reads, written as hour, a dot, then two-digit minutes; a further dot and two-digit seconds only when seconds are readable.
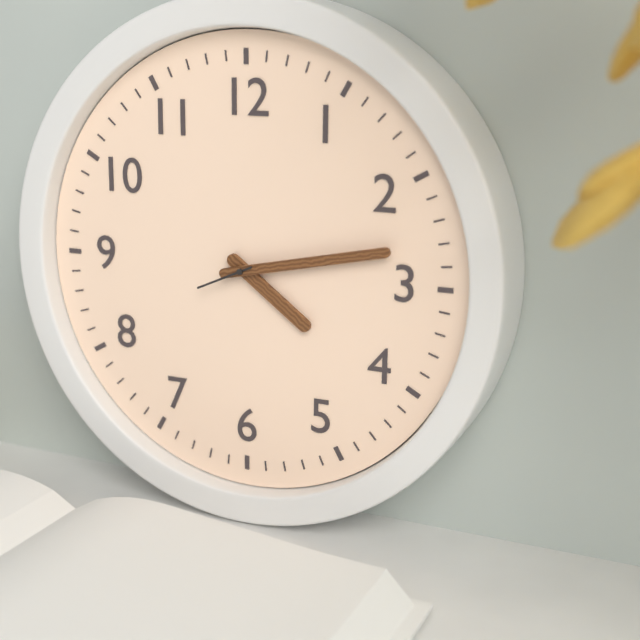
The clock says 4.13.41
